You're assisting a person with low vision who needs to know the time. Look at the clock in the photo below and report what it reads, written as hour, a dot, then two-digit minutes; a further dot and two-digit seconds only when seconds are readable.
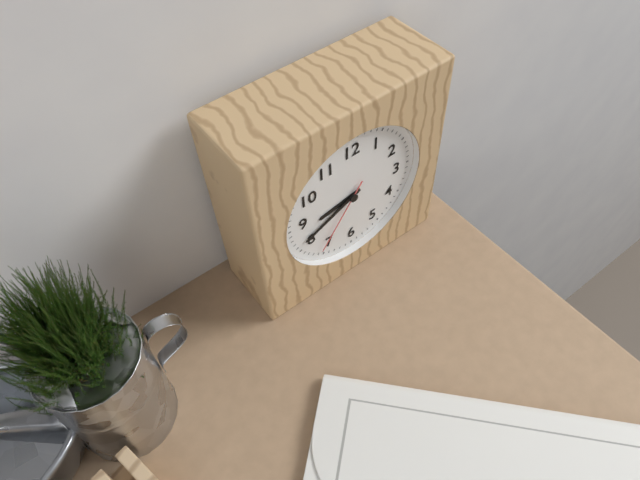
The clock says 8.41.36
